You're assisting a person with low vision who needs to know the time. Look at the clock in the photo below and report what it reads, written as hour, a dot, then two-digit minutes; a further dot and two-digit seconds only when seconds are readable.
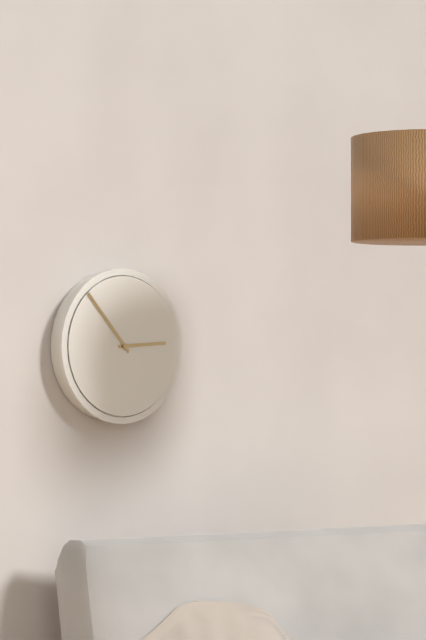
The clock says 2.53
